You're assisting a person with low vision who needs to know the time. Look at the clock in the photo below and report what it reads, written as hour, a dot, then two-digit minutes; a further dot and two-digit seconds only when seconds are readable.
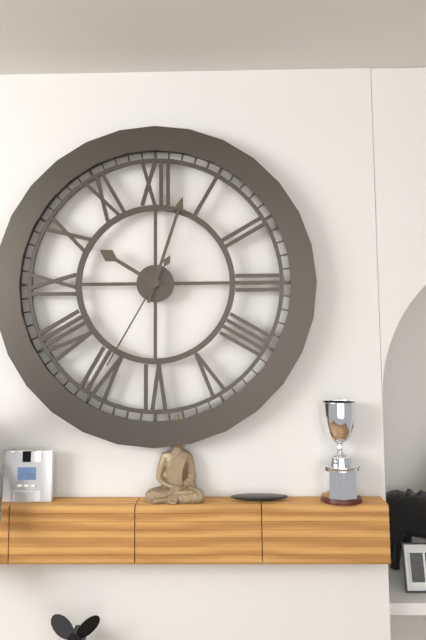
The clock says 10.03.35
